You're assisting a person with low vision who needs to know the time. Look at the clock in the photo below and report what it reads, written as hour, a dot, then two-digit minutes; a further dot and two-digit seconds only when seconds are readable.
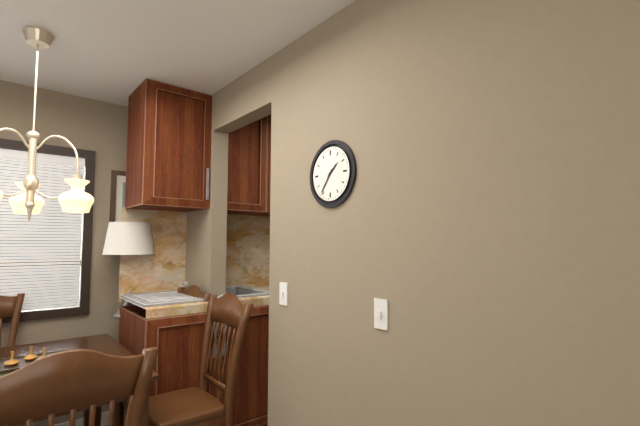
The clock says 1.36
